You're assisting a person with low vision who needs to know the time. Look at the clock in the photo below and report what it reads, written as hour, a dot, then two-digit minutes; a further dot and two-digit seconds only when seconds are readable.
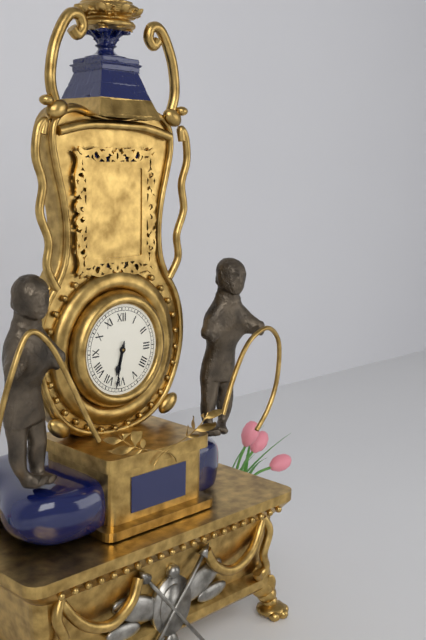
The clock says 6.32
